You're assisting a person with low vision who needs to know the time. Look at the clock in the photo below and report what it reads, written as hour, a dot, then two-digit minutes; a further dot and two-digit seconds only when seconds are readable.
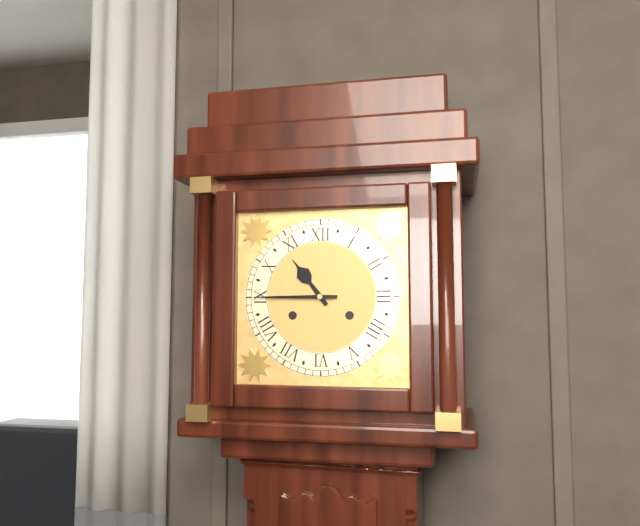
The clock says 10.45
